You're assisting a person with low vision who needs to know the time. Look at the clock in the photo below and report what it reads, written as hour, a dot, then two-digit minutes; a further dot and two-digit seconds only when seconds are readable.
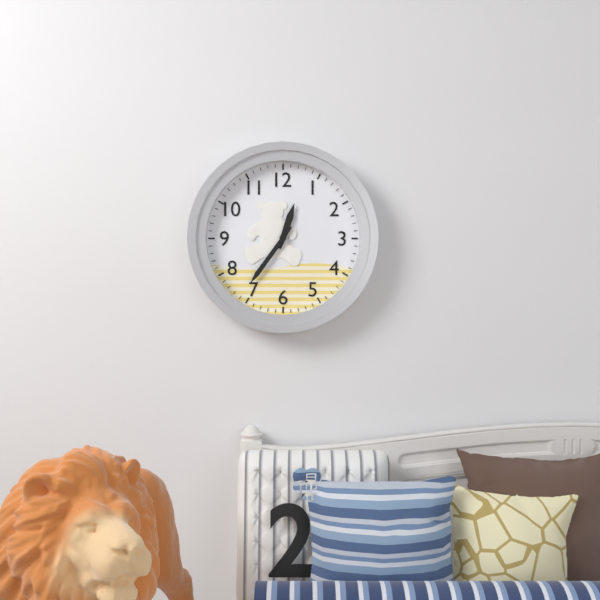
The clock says 12.36
